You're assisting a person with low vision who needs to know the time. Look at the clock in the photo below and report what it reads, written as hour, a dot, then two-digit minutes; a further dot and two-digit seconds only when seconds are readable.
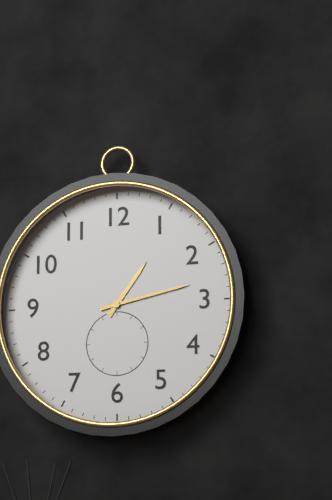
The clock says 1.13
